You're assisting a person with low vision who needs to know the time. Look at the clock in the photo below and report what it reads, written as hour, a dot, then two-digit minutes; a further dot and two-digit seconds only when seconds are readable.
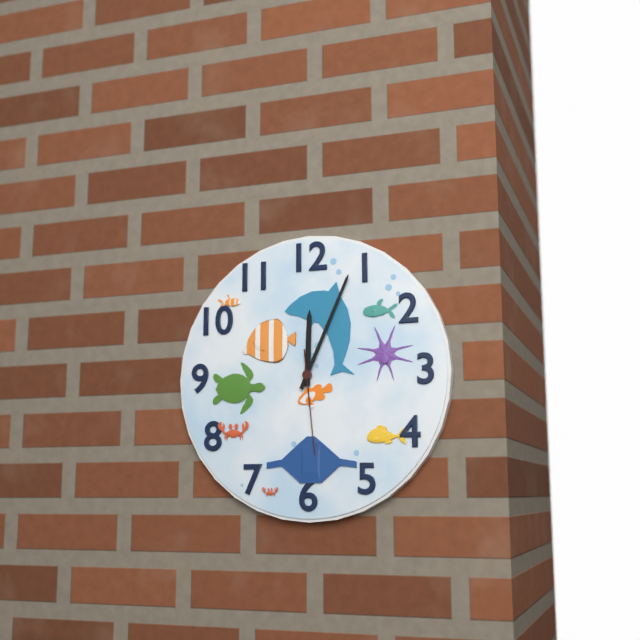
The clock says 12.04.29
